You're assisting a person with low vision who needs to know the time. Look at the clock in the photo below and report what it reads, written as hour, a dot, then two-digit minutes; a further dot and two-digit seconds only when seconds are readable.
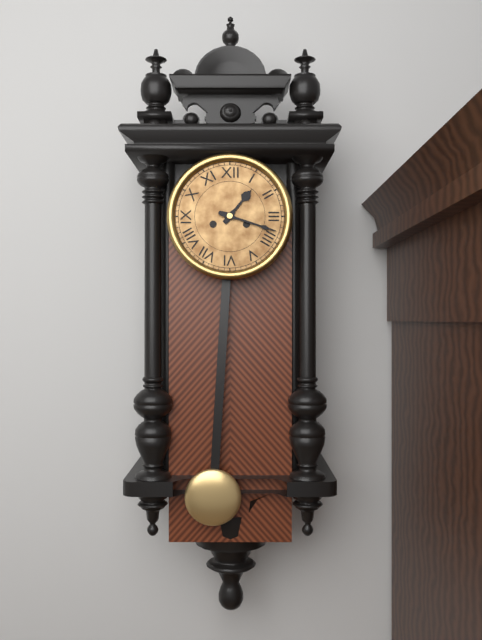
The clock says 1.18
